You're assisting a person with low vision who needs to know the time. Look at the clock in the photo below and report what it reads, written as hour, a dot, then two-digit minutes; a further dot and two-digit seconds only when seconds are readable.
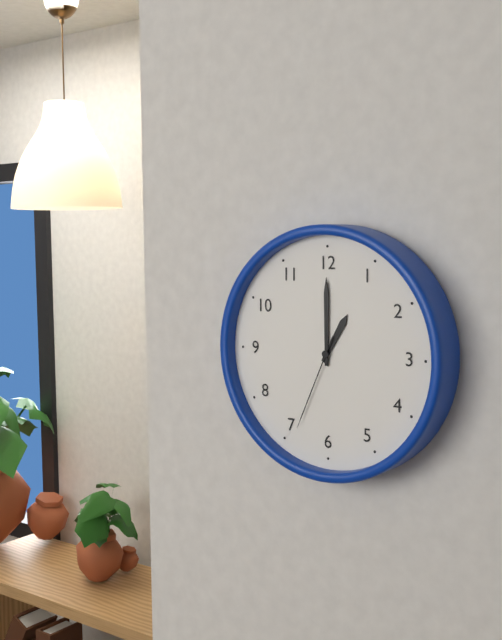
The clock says 1.00.34
